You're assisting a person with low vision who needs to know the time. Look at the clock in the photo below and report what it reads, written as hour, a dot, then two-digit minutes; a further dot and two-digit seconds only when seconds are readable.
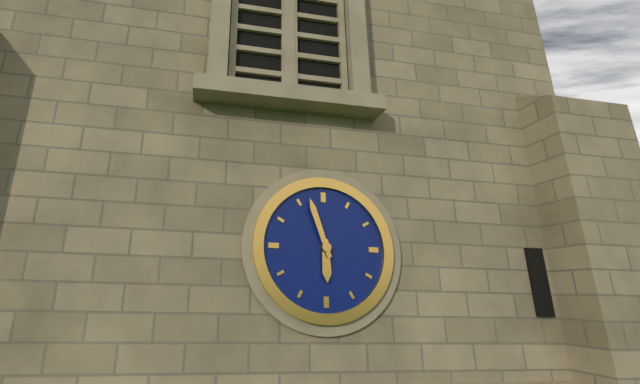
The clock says 5.57
